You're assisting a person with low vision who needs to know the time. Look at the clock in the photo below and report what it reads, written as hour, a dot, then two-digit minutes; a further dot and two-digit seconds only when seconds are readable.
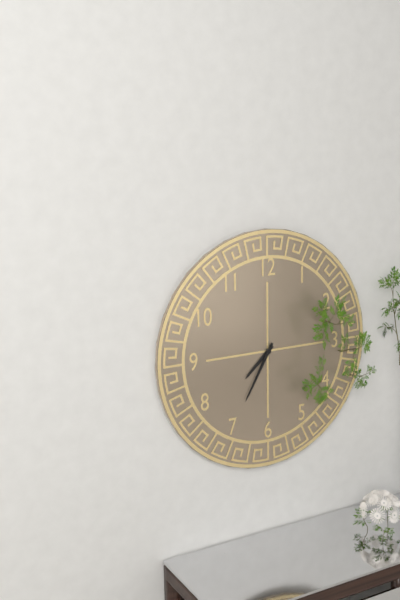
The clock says 7.35
